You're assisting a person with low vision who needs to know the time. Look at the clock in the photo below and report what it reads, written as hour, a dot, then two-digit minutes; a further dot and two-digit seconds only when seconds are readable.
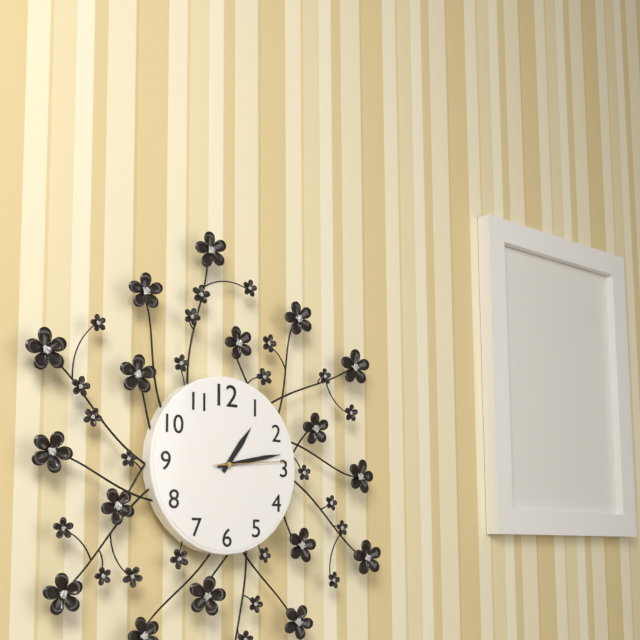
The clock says 1.13.14
